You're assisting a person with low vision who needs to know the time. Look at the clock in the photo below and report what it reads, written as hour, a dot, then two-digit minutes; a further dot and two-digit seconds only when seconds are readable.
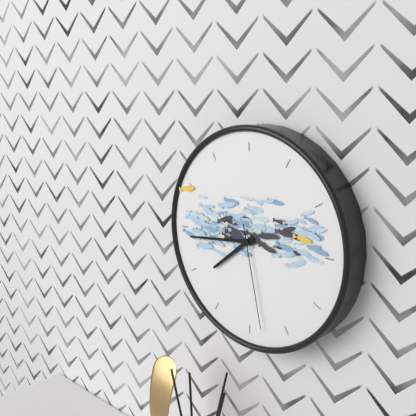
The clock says 7.44.28
